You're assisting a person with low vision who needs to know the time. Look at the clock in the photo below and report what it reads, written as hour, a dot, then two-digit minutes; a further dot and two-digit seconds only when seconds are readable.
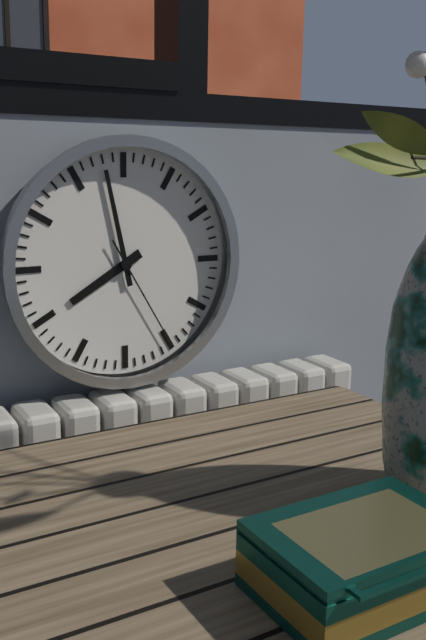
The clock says 7.58.25
